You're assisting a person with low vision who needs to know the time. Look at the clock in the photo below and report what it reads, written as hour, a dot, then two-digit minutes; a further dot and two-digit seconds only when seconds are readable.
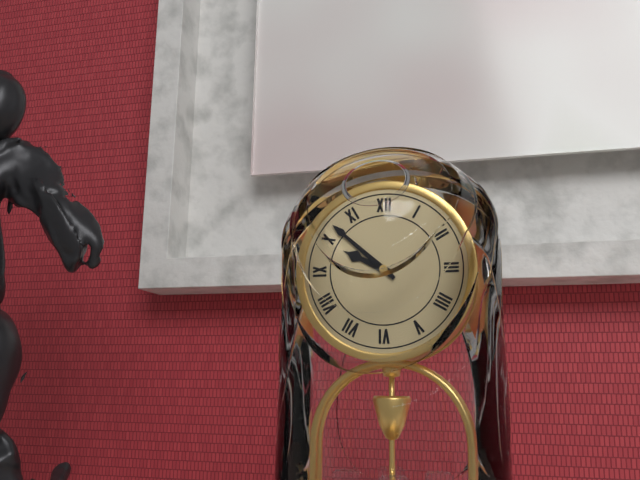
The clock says 9.52
